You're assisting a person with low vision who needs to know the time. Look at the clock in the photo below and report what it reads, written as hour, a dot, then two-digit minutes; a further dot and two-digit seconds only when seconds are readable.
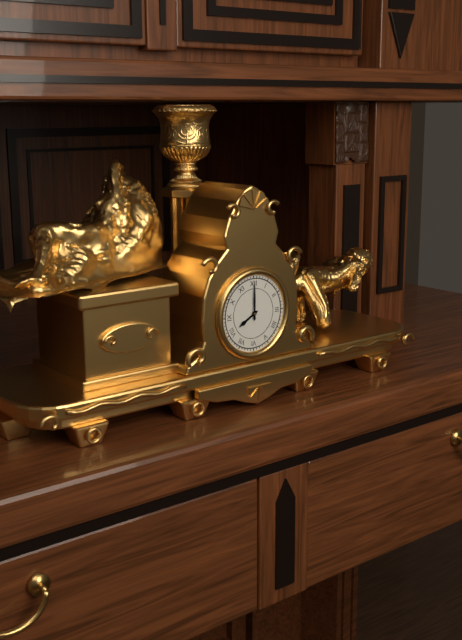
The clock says 8.00
